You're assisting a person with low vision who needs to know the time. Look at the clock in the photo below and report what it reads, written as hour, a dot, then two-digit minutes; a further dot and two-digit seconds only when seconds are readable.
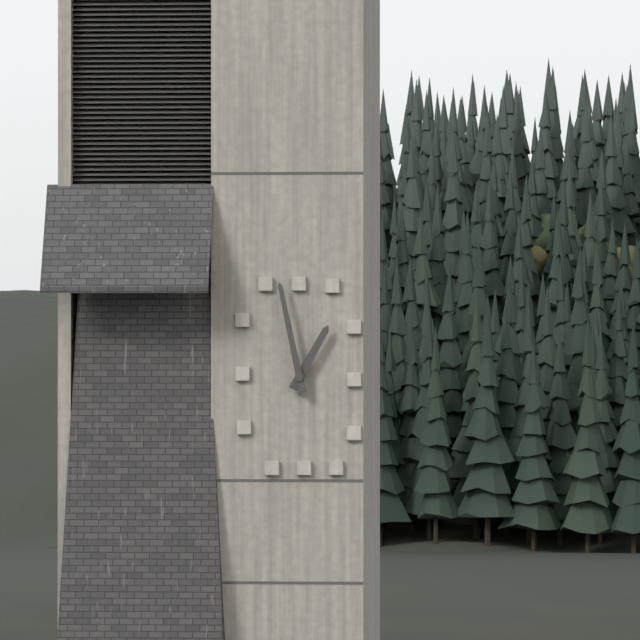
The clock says 12.58
